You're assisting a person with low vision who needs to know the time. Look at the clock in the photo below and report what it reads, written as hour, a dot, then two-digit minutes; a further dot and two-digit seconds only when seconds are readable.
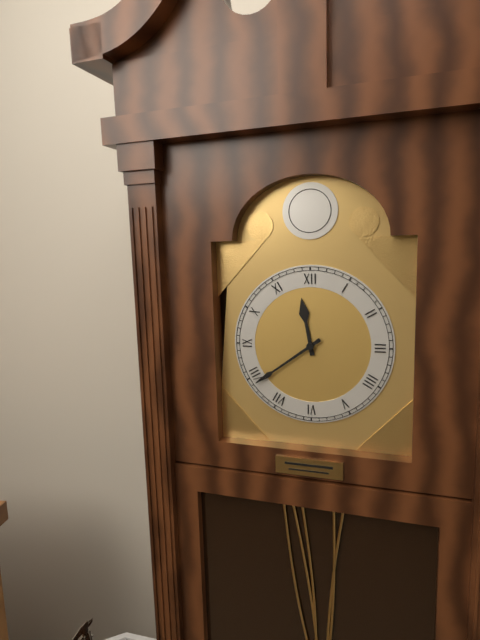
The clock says 11.39
